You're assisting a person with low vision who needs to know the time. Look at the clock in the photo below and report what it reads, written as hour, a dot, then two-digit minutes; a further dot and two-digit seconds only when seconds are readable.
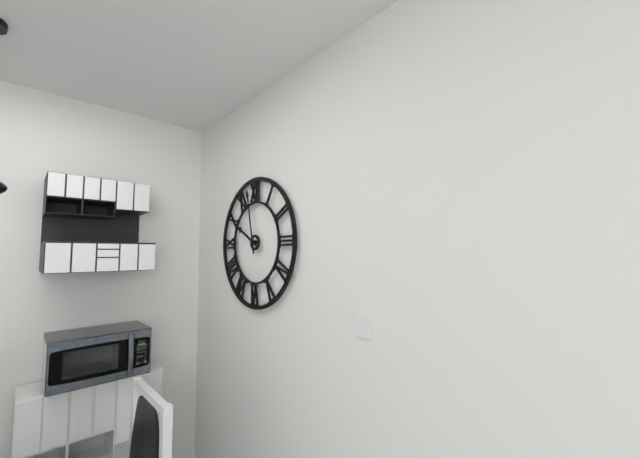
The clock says 9.58
